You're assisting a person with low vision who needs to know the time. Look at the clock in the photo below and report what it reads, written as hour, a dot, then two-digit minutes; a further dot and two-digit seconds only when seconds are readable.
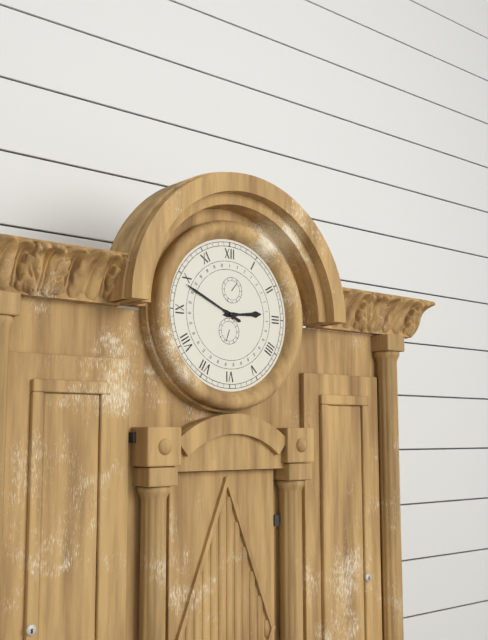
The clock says 2.49
